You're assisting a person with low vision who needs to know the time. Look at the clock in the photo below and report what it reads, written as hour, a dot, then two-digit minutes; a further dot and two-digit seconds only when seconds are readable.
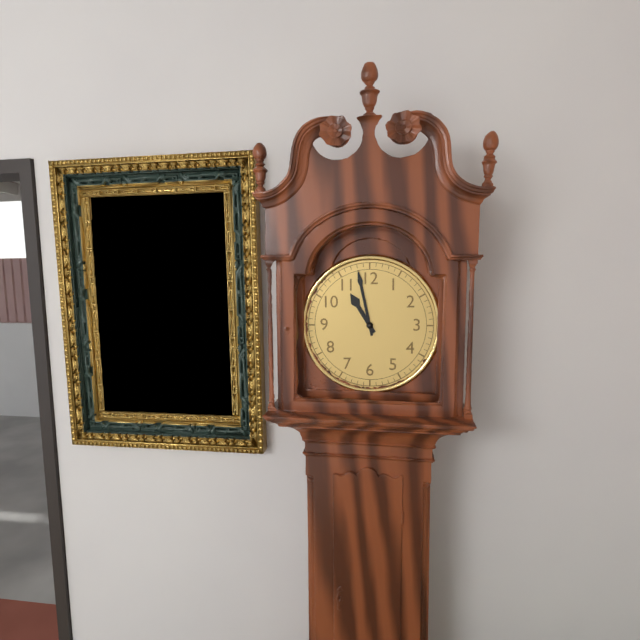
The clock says 10.58
